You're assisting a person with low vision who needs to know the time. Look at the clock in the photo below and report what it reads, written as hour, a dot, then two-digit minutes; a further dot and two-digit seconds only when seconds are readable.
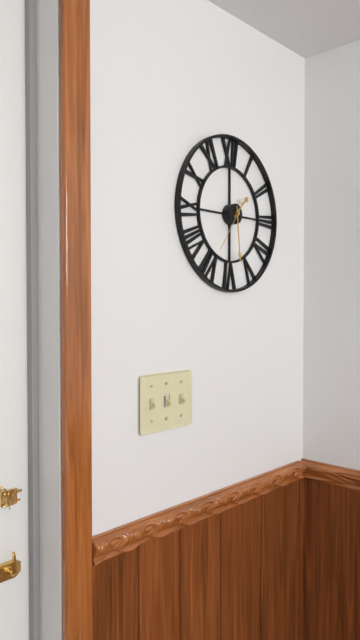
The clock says 1.29
